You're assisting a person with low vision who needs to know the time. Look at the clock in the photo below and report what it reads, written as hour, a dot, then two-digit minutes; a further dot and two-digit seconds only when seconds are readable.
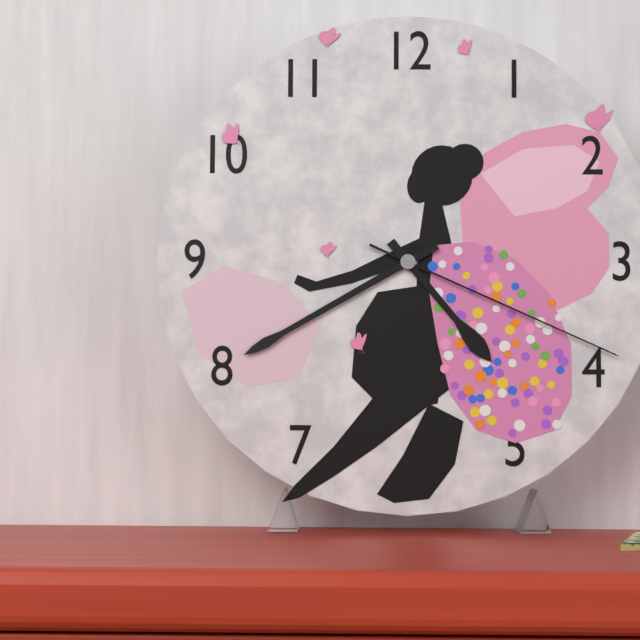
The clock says 4.40.19
